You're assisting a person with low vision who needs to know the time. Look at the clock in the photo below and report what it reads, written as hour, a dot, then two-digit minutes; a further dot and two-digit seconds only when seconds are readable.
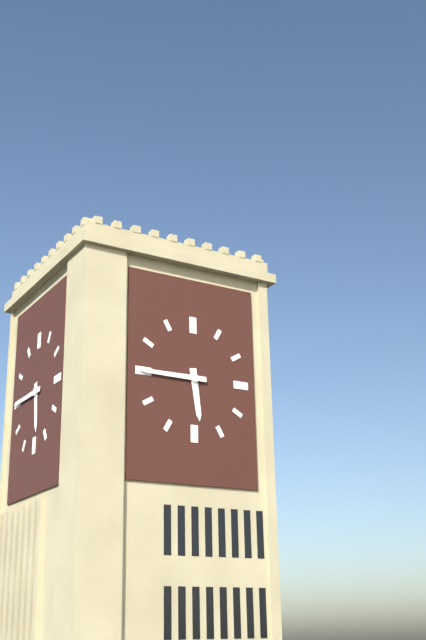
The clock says 5.45
